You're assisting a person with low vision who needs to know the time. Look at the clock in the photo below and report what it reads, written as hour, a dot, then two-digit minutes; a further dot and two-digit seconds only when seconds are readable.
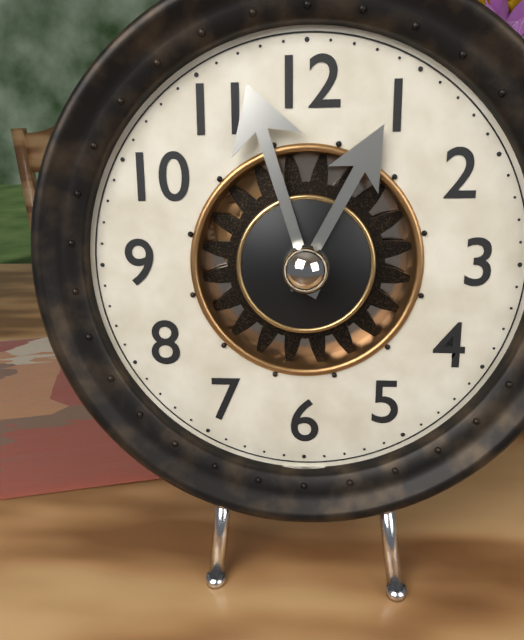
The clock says 12.57
